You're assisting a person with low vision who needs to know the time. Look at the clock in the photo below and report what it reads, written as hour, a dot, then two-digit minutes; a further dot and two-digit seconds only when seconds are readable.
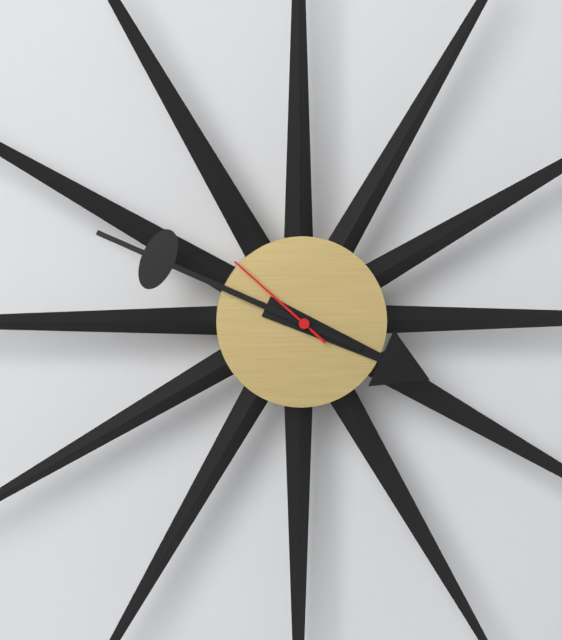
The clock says 3.49.52
